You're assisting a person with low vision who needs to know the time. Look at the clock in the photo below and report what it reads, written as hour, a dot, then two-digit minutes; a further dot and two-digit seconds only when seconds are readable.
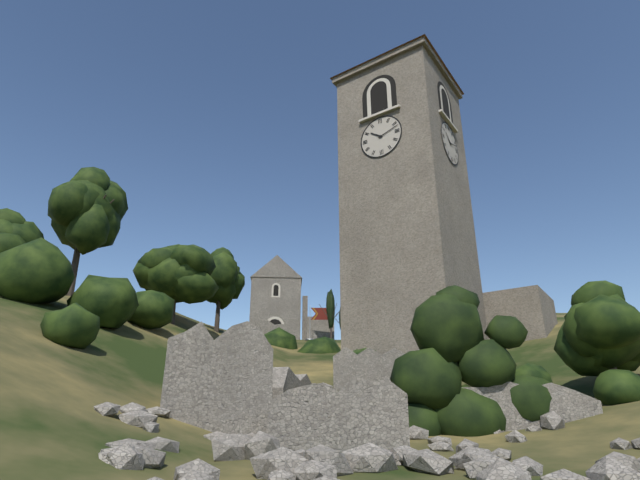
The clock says 10.12
